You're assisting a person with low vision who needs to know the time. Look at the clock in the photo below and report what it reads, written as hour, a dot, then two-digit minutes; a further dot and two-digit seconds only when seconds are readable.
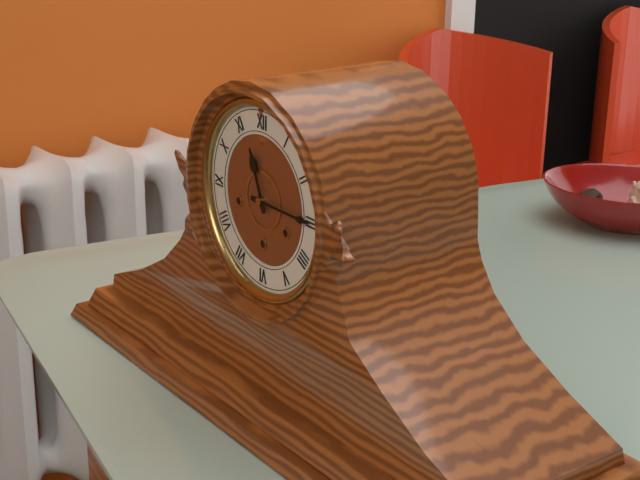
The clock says 11.15
